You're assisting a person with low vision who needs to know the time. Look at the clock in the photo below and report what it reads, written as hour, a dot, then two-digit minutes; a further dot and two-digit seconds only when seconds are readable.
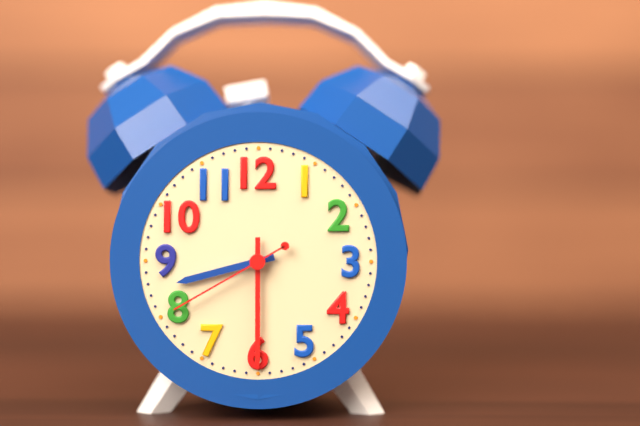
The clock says 8.30.40
